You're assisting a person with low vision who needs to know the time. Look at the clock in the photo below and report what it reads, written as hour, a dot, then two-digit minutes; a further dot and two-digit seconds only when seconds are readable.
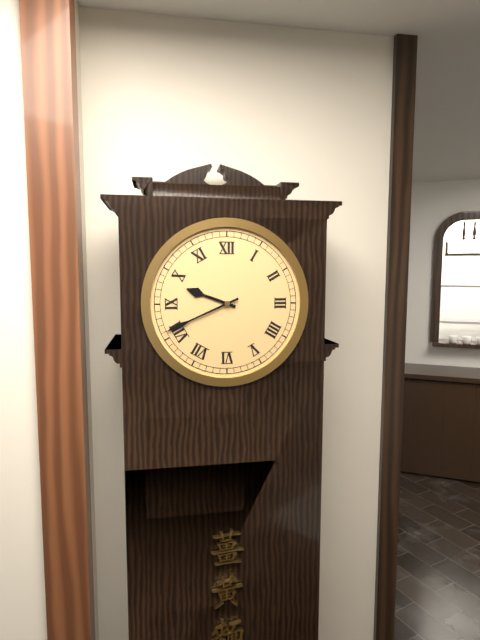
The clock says 9.41
